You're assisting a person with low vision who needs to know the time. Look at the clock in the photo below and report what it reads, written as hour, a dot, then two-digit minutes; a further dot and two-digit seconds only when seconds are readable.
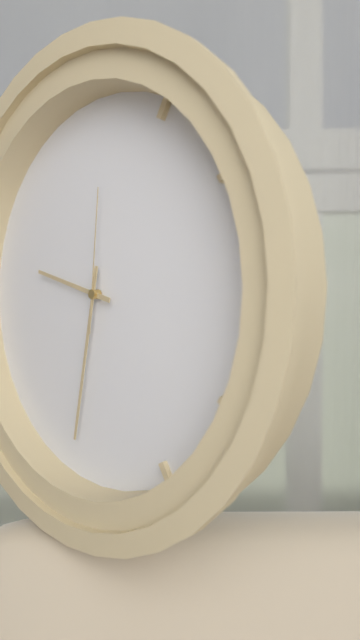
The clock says 9.32.01
